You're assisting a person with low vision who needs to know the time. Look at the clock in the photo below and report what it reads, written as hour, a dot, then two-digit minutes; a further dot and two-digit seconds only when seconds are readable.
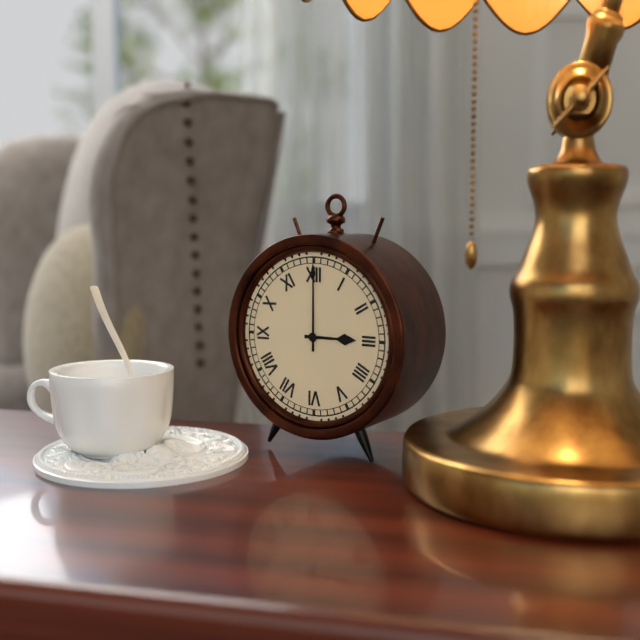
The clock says 3.00
